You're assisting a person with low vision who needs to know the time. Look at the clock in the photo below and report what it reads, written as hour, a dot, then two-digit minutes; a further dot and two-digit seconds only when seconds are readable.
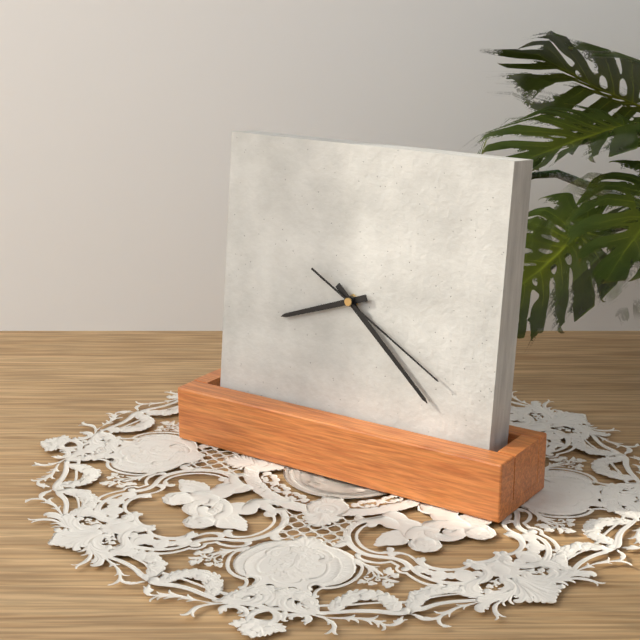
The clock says 8.22.20
